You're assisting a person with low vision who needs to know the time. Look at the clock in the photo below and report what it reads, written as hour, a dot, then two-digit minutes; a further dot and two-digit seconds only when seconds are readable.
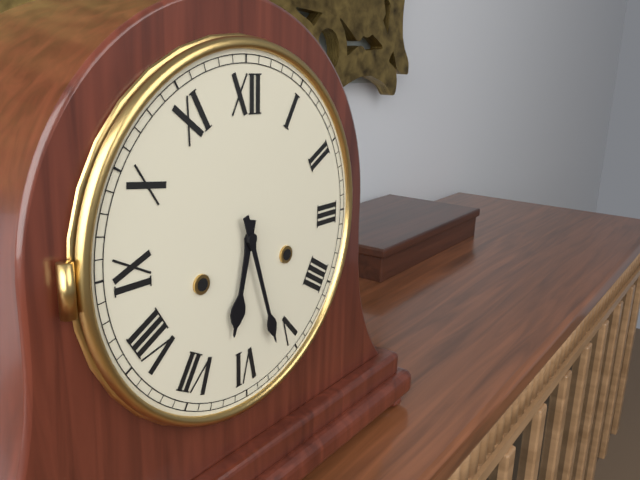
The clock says 6.27
